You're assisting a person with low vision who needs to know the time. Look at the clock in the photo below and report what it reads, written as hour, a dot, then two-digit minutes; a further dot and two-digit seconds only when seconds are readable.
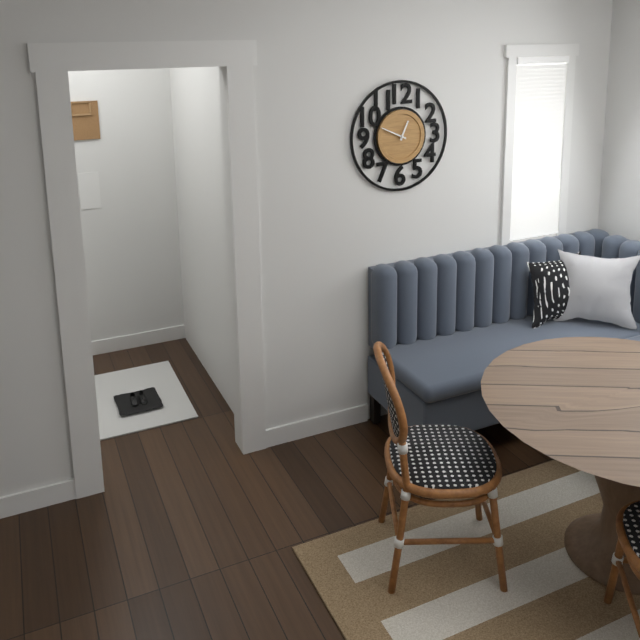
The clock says 12.49
